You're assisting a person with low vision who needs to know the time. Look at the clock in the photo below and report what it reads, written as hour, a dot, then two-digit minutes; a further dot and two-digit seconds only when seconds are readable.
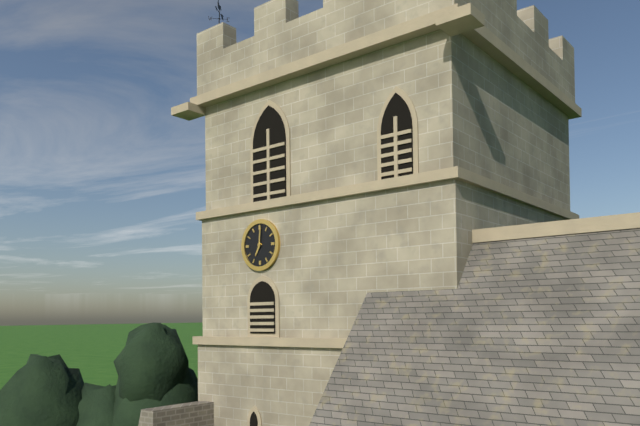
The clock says 7.01
